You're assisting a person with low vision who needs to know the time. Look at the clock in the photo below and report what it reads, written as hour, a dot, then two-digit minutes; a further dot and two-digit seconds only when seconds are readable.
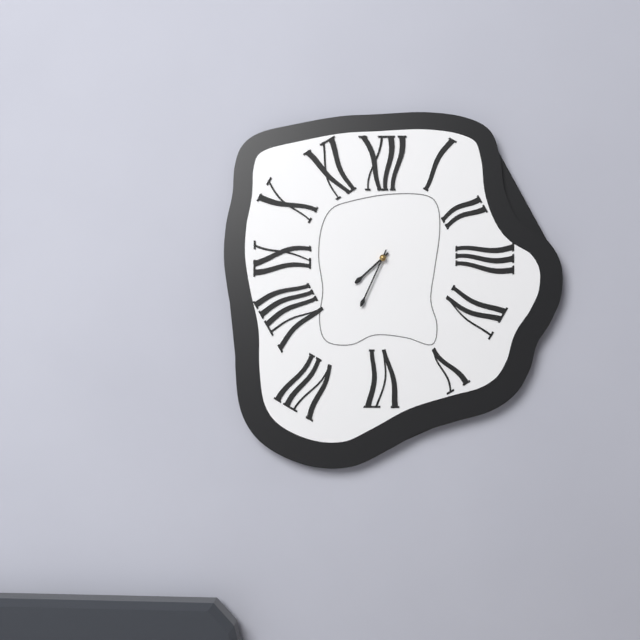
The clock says 7.34
